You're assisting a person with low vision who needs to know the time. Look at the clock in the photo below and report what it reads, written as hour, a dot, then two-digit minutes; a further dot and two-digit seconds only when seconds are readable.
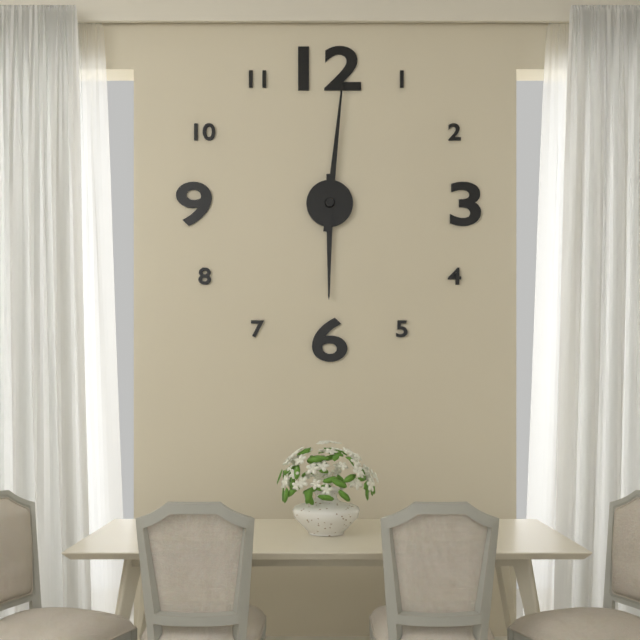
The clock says 6.01
